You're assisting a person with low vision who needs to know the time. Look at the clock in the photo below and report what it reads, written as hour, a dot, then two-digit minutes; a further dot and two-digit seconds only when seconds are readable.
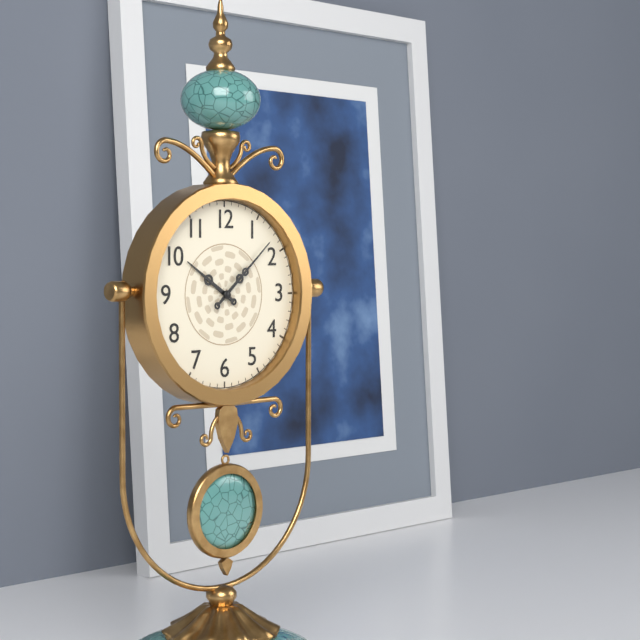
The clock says 10.08
